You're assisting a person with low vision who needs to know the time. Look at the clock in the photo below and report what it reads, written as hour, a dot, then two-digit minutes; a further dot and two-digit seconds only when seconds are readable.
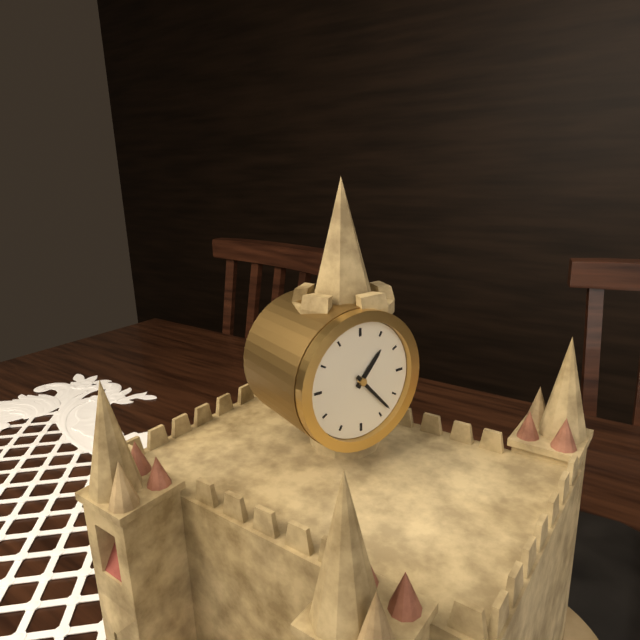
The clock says 1.23
